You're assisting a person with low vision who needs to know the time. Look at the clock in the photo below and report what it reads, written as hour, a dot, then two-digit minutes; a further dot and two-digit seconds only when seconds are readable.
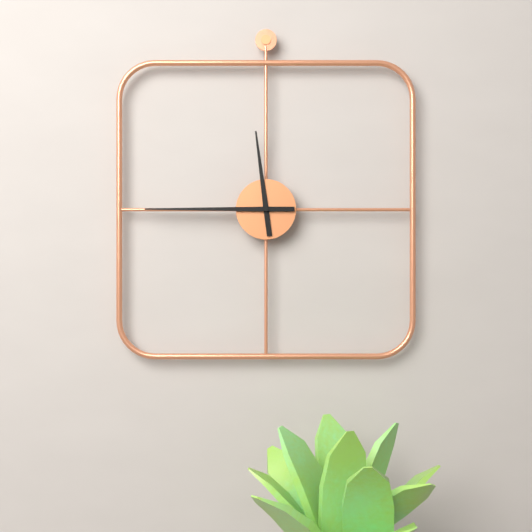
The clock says 11.45
